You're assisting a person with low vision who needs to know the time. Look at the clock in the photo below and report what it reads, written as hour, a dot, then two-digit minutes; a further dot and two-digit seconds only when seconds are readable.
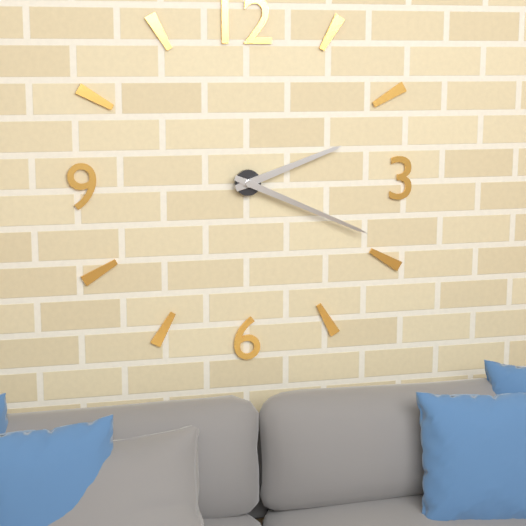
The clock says 2.19
